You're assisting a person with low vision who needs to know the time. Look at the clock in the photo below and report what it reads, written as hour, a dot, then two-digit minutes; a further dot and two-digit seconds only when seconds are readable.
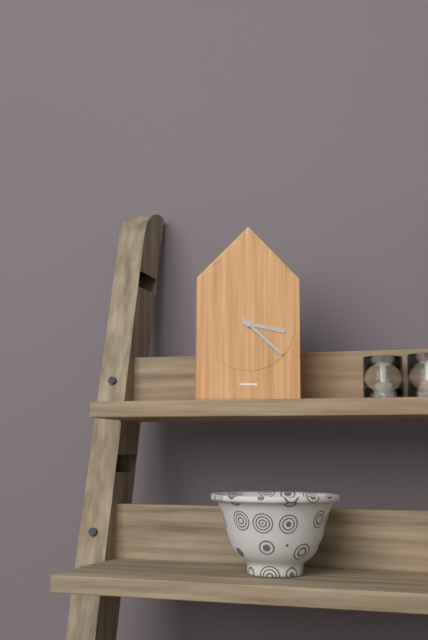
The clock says 3.22
